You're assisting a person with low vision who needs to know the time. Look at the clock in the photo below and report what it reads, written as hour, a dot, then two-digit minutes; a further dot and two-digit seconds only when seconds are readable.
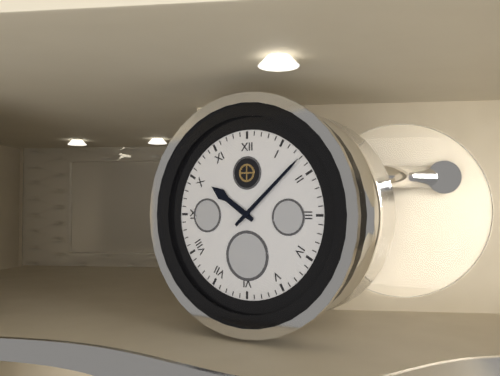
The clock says 10.08
